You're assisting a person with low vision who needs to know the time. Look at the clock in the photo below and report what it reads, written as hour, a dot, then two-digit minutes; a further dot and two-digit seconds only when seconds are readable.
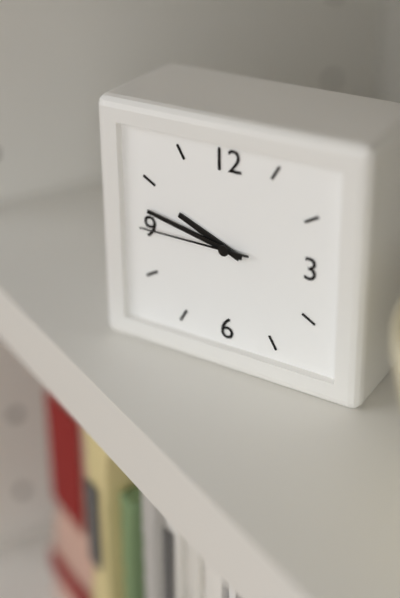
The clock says 9.47.45
